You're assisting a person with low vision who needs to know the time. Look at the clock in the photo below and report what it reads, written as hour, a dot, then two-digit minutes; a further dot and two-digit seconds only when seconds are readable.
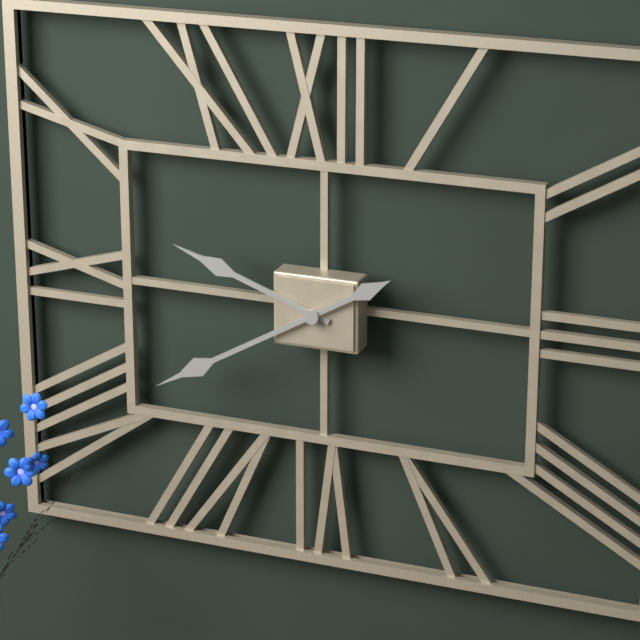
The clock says 9.40
